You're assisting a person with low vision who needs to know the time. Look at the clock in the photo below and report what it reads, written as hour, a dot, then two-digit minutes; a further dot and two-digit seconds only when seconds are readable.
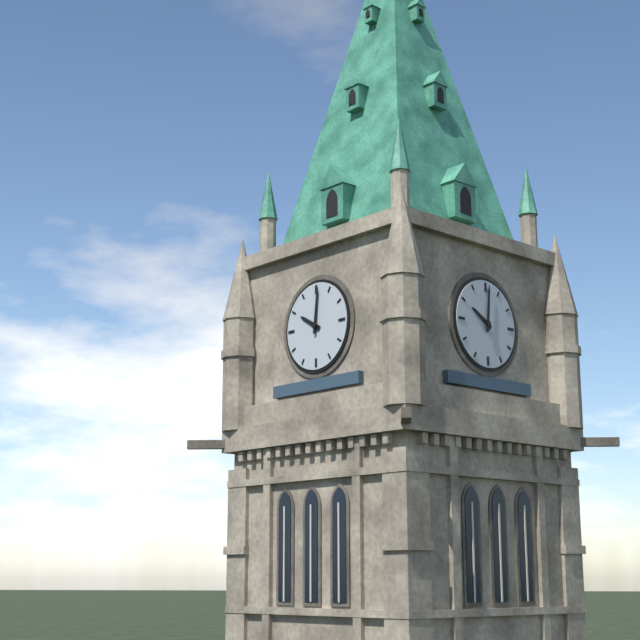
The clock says 10.01
